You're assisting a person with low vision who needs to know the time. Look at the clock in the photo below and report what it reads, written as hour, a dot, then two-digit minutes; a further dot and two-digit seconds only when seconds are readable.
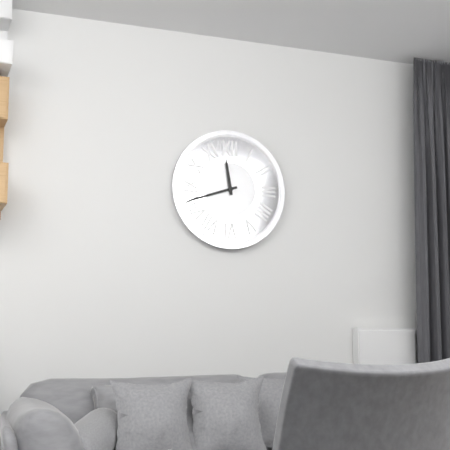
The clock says 11.42
